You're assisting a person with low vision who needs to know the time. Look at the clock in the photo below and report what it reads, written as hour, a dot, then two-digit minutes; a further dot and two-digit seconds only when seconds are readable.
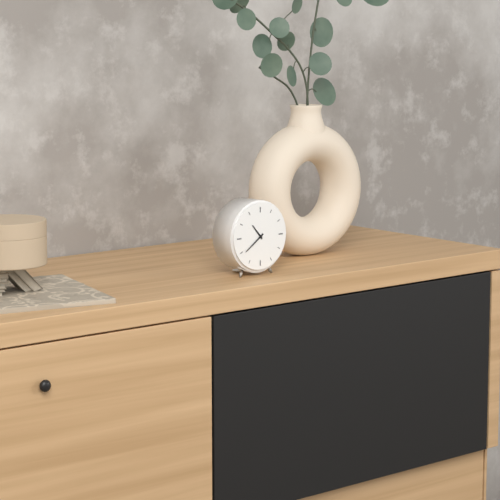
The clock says 10.39
